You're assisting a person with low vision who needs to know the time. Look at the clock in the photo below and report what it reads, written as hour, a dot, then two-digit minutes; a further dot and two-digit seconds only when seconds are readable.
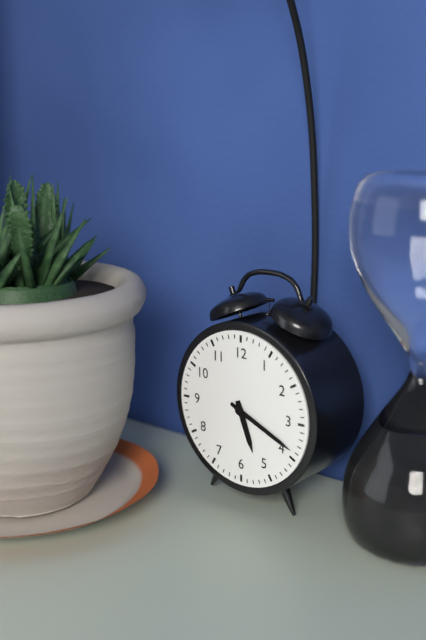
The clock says 5.19
